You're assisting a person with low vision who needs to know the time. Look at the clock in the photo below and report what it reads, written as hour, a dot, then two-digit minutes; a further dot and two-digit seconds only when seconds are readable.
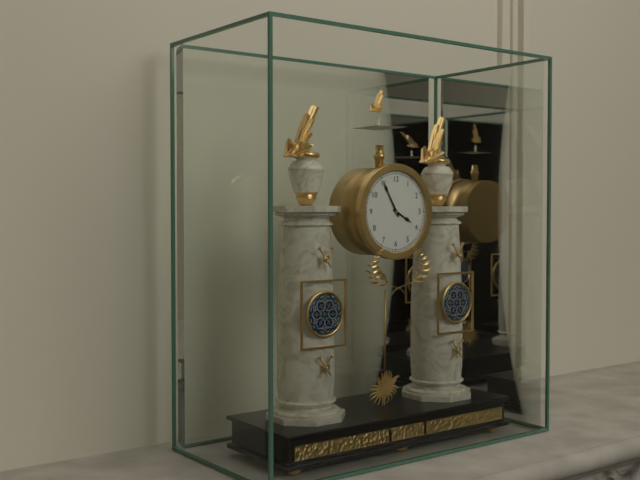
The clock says 3.55
